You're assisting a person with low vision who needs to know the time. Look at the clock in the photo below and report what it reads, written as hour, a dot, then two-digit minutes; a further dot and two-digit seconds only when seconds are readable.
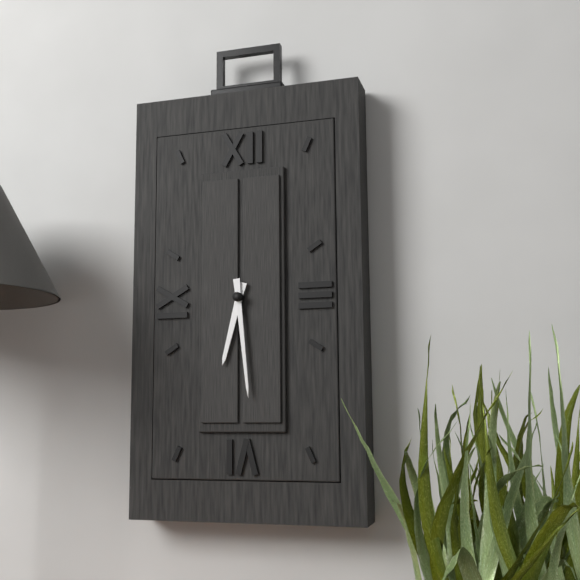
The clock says 6.29
